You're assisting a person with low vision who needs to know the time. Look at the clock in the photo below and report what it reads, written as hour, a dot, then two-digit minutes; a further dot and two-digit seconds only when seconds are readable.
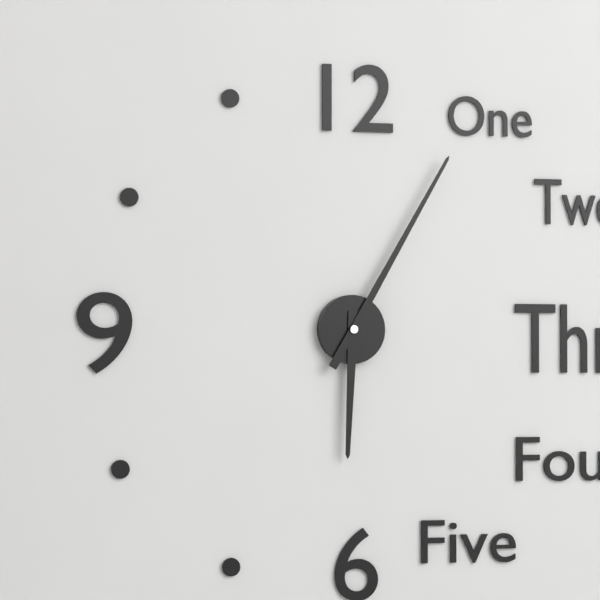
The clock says 6.05
